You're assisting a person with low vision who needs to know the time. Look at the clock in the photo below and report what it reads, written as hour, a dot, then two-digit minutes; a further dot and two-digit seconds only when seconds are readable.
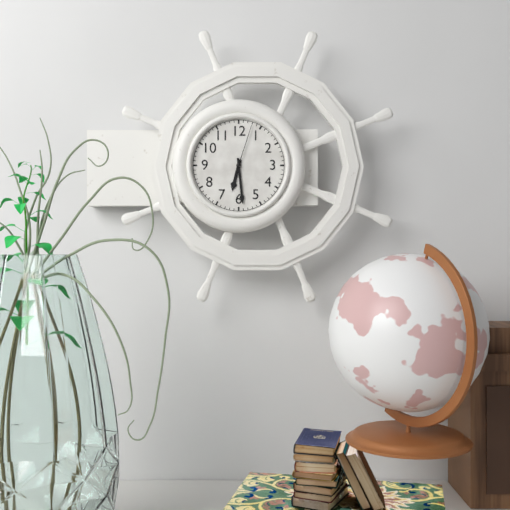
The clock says 6.29.03
